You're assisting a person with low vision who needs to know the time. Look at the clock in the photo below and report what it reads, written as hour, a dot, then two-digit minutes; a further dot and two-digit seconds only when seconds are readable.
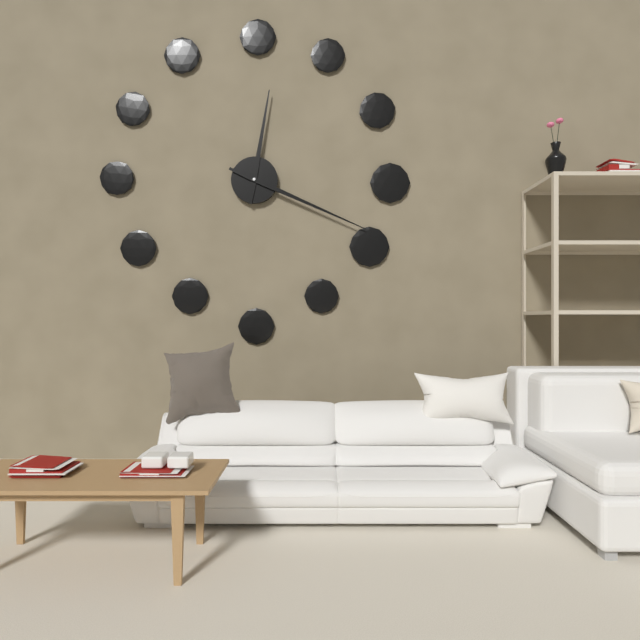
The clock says 12.19
